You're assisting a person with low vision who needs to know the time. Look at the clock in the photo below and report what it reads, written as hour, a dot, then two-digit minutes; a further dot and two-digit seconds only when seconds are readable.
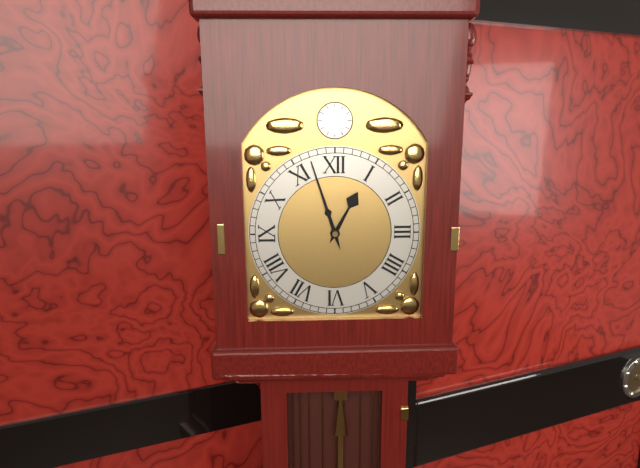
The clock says 12.57
